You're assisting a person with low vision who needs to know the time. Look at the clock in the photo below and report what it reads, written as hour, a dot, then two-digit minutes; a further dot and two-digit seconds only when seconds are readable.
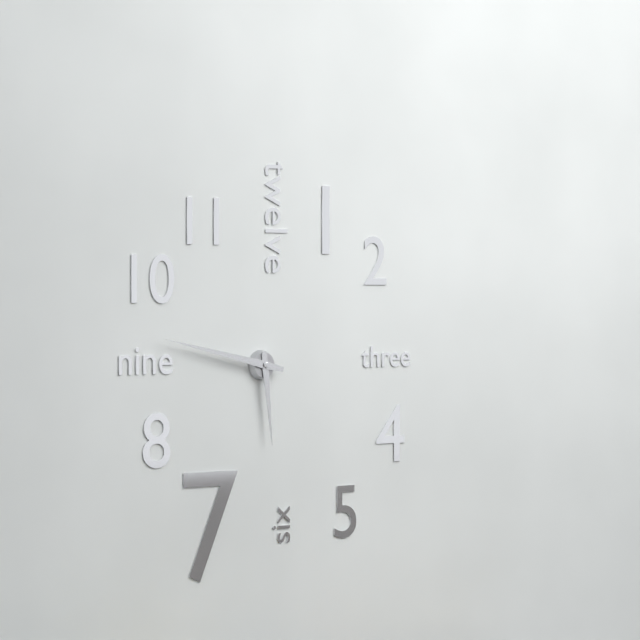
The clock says 5.47
